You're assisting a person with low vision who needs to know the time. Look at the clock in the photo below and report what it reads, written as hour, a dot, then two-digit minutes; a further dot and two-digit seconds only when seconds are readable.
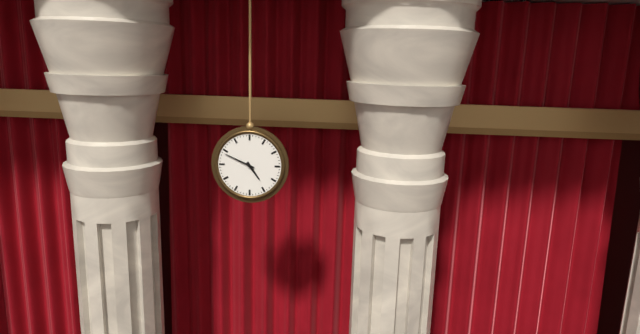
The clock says 4.49
